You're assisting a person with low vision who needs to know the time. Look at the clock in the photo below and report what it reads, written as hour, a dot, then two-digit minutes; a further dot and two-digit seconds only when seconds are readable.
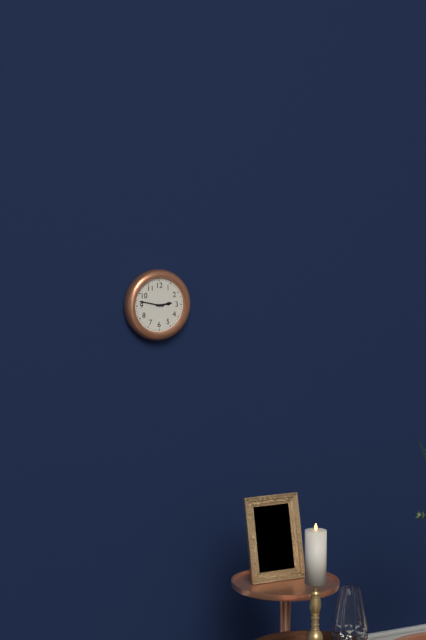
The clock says 2.47
